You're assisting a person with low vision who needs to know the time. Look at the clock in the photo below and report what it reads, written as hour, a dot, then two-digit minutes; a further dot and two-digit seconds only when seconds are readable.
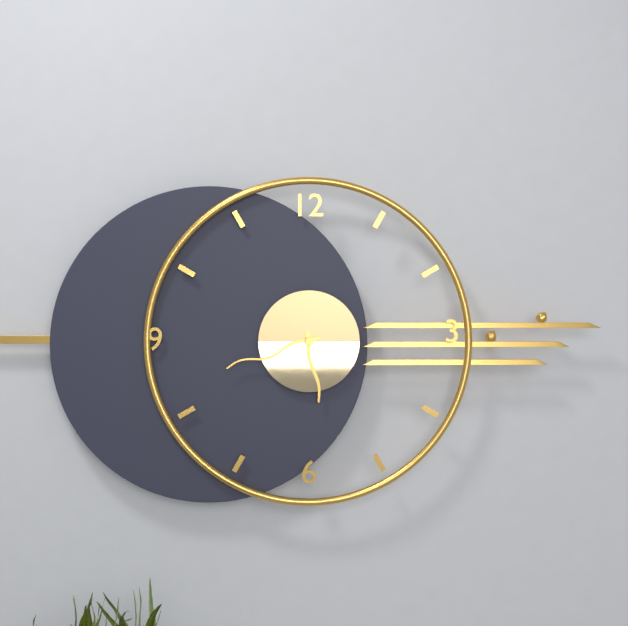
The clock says 5.42
